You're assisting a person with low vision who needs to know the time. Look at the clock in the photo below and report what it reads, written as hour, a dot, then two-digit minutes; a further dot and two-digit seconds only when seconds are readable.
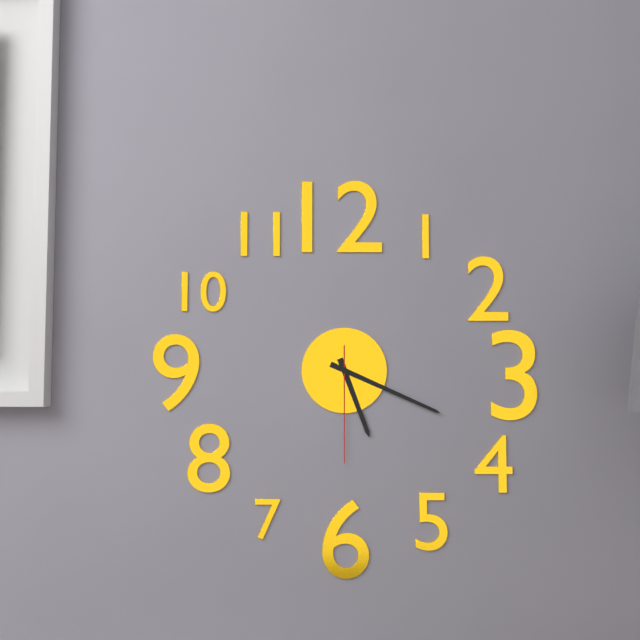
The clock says 5.19.30
